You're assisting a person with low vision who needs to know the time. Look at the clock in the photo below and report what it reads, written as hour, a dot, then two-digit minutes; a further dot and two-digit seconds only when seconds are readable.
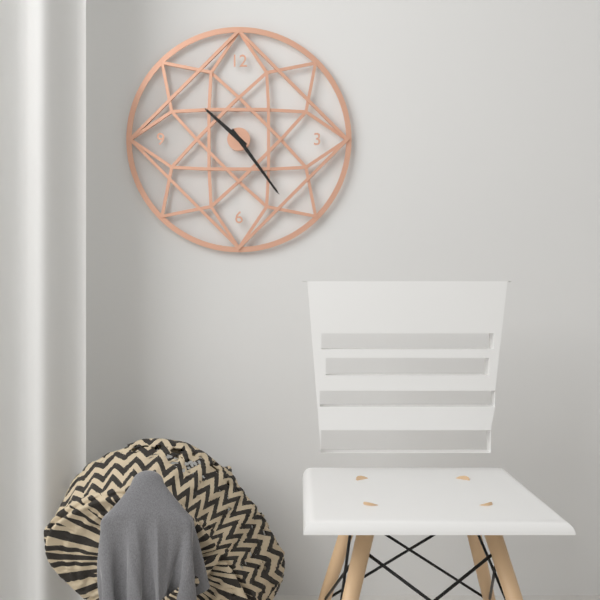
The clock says 10.24
